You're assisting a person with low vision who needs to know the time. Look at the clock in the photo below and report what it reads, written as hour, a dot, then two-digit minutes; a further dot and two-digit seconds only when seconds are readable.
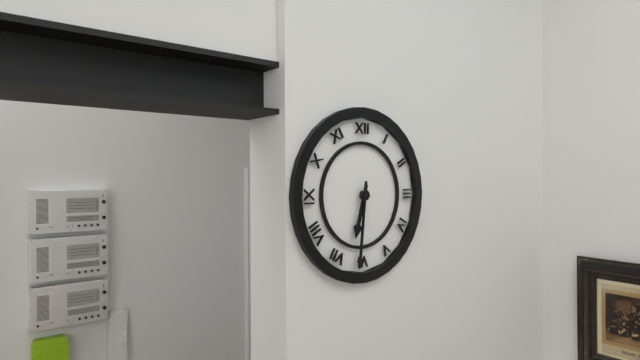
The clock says 6.31
